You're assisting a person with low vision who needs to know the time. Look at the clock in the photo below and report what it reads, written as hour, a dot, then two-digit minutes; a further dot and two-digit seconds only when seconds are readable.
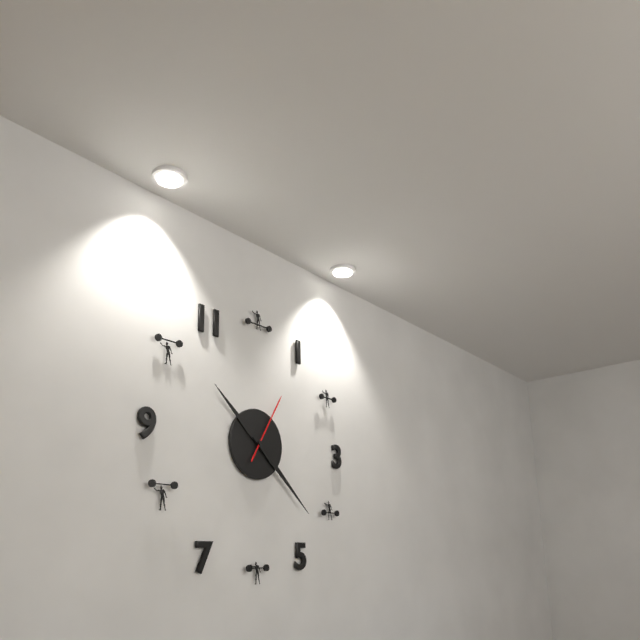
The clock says 10.22.05
